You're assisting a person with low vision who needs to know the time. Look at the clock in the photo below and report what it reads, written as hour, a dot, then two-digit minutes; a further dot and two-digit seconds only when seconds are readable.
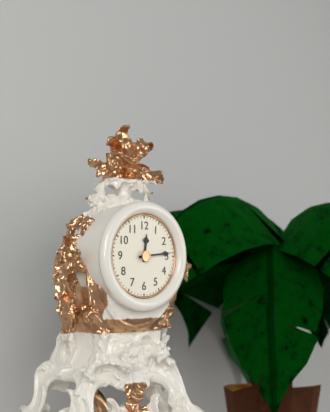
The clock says 12.14
